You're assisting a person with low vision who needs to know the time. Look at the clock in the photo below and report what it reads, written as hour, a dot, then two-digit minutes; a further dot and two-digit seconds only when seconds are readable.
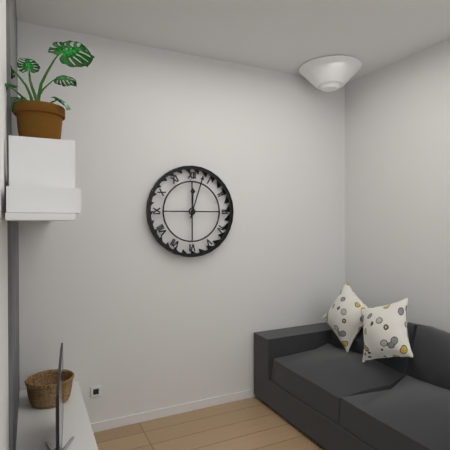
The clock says 12.03
